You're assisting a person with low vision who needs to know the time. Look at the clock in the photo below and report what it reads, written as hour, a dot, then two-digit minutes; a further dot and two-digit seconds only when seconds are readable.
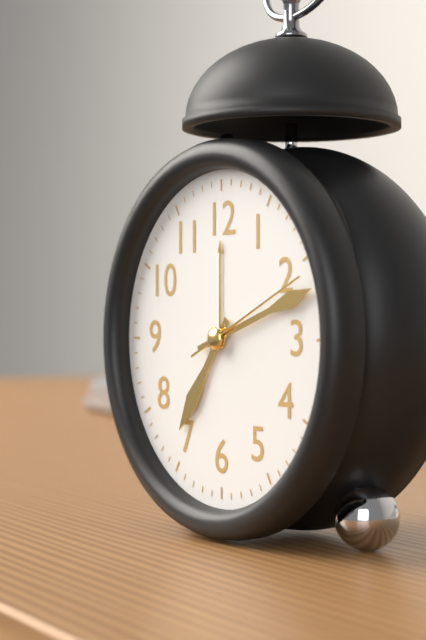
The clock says 7.12.11
